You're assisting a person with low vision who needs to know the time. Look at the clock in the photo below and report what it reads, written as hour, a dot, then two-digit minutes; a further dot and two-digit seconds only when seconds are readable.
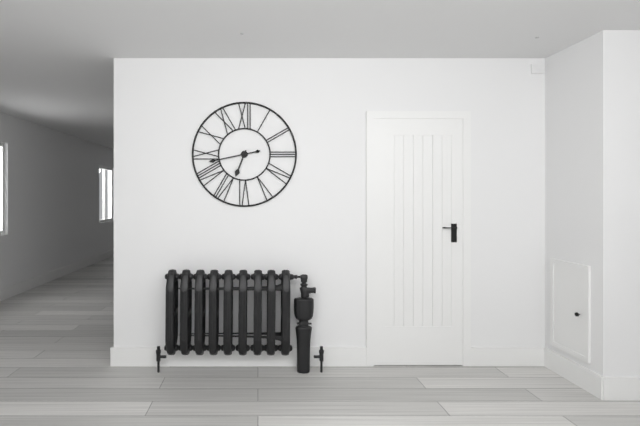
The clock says 6.43
